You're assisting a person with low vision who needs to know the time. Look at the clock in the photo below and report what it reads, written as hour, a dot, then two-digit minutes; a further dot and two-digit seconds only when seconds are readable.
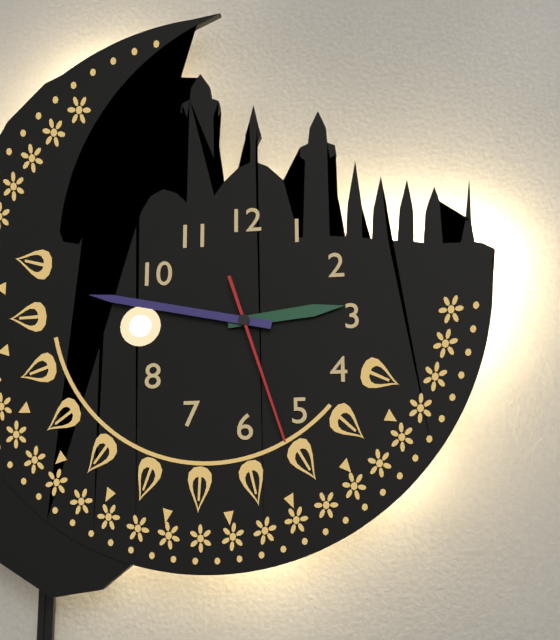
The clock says 2.47.27
